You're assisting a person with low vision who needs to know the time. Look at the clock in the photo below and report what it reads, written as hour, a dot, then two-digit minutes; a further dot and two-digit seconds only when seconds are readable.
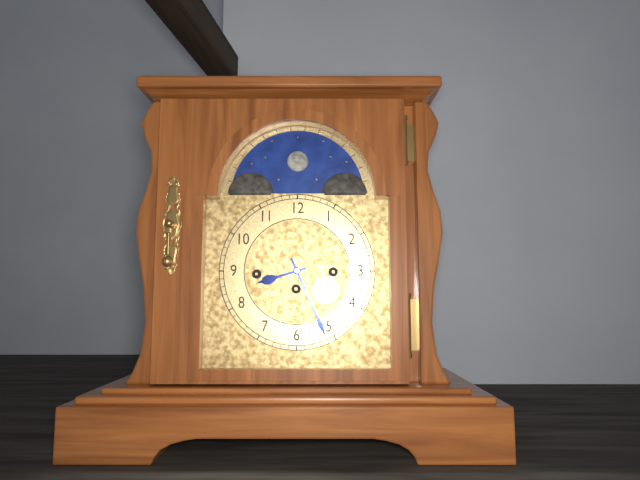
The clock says 8.26
